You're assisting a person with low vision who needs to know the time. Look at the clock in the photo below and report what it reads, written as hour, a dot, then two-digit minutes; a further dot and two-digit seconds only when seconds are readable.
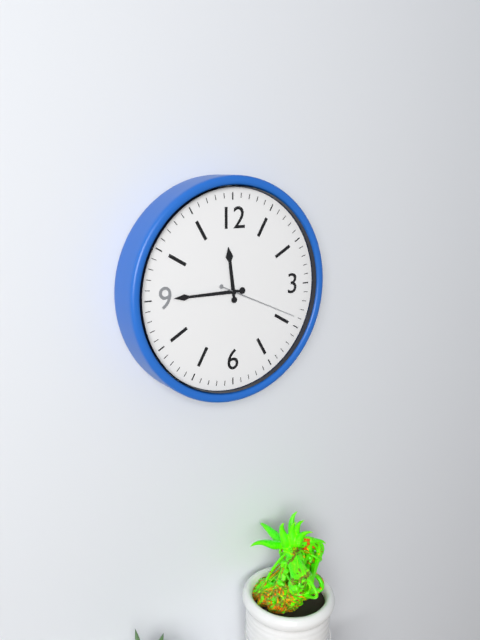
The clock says 11.45.19
